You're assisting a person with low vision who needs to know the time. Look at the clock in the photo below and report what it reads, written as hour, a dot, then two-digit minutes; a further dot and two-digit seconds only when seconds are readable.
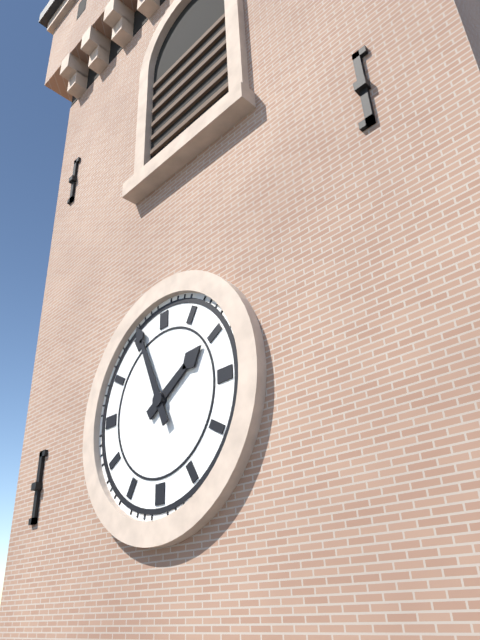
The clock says 1.56
